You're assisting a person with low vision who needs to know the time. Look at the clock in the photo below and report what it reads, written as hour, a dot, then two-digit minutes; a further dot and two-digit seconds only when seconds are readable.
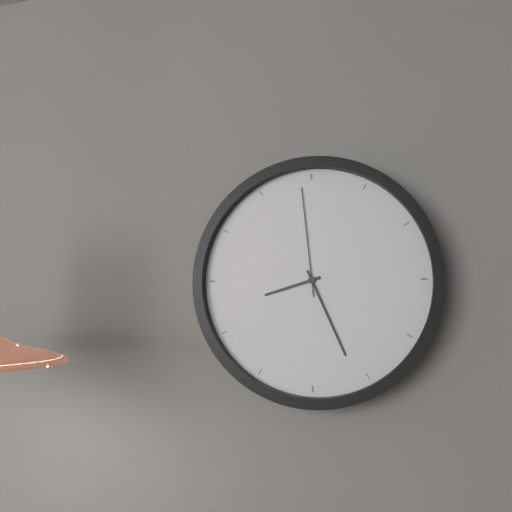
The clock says 8.26.59
